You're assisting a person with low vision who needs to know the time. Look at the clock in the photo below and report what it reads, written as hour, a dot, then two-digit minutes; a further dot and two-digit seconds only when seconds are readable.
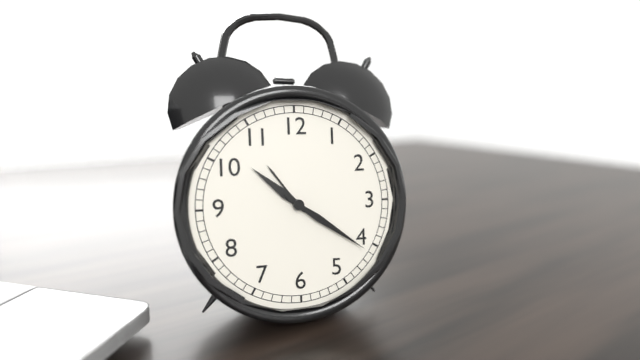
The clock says 10.21
